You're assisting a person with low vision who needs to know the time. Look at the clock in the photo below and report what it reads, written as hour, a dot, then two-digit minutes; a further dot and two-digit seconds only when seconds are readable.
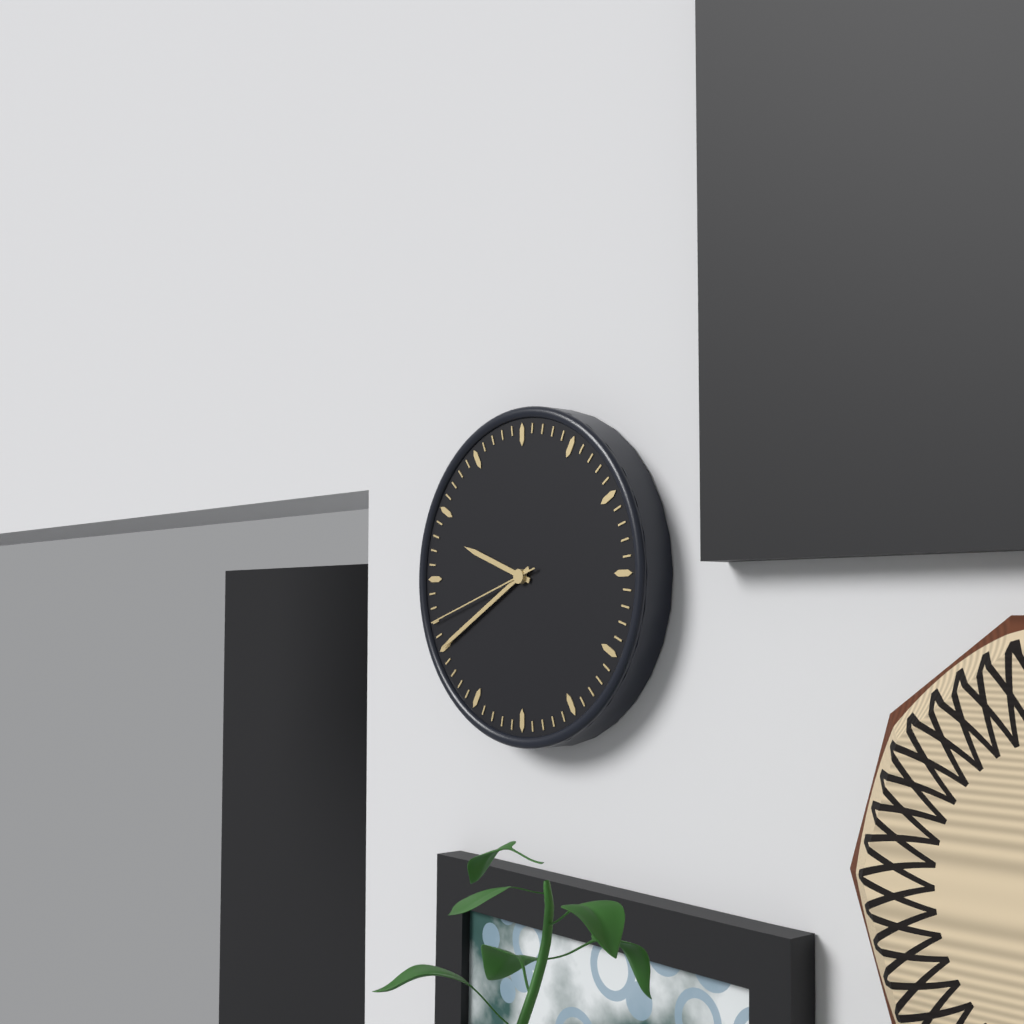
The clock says 9.40.42
